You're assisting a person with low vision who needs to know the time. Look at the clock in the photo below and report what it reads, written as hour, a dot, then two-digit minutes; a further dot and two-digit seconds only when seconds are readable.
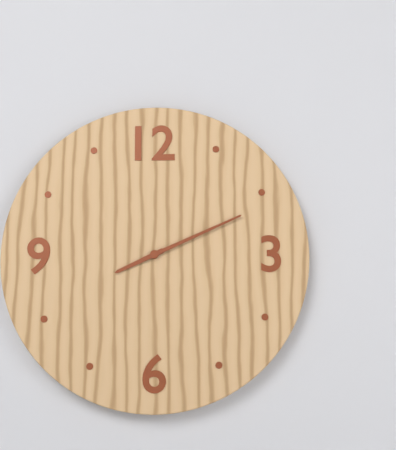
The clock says 8.11
